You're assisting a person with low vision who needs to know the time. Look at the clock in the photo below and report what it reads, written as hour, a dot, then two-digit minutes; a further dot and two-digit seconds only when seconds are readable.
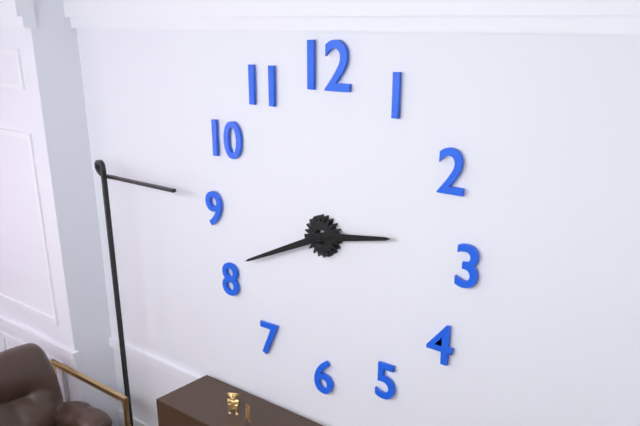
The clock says 2.41
